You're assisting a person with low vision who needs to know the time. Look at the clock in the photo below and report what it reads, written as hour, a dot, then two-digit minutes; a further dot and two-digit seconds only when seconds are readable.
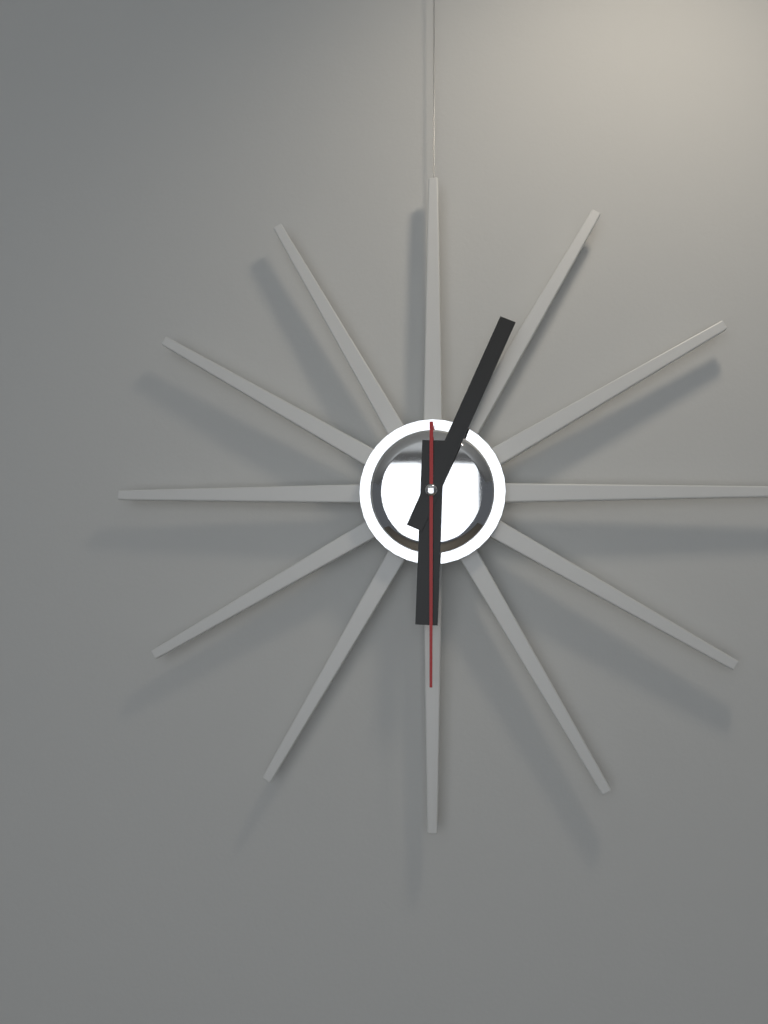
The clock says 6.04.30
